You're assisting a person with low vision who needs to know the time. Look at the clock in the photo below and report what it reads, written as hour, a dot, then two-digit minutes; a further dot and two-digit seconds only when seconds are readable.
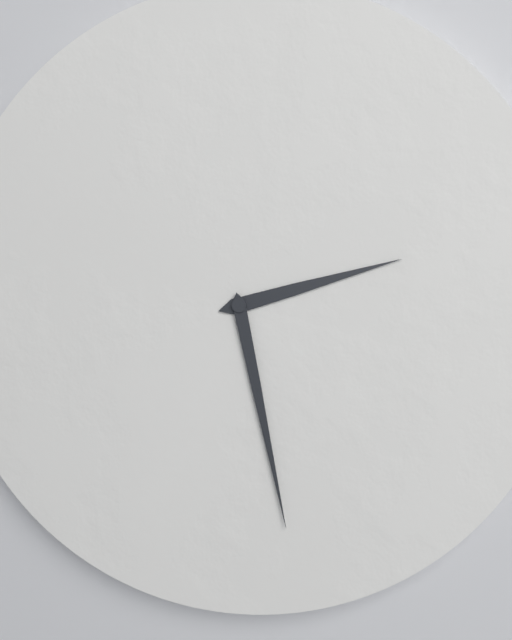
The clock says 2.28
